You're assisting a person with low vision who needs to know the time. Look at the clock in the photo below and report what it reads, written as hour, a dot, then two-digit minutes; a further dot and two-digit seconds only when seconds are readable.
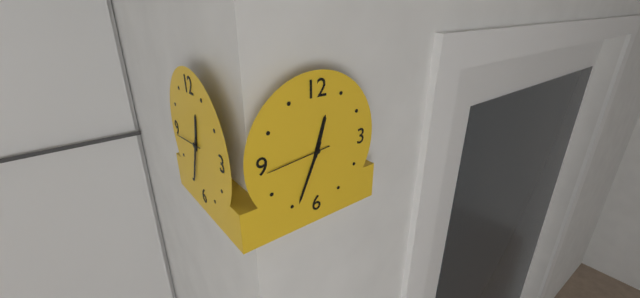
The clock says 12.34.44
